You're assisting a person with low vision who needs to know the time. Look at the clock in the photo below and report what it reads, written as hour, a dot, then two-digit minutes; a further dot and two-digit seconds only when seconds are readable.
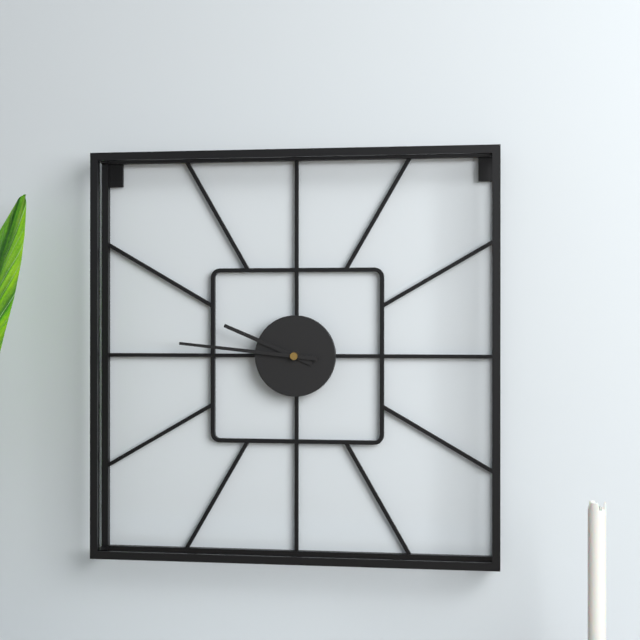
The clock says 9.46
